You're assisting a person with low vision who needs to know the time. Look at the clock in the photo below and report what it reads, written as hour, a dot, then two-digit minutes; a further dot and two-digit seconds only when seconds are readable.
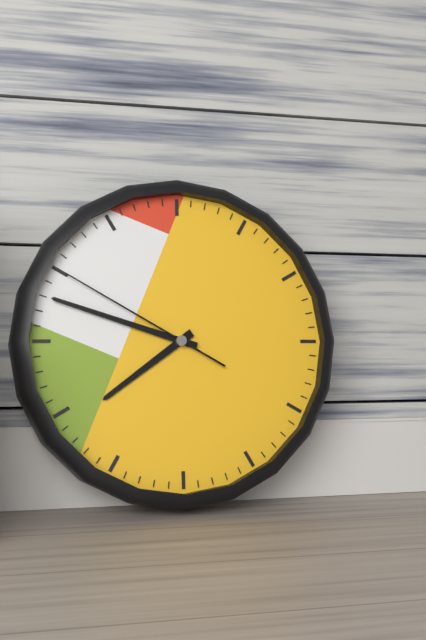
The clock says 7.48.50
